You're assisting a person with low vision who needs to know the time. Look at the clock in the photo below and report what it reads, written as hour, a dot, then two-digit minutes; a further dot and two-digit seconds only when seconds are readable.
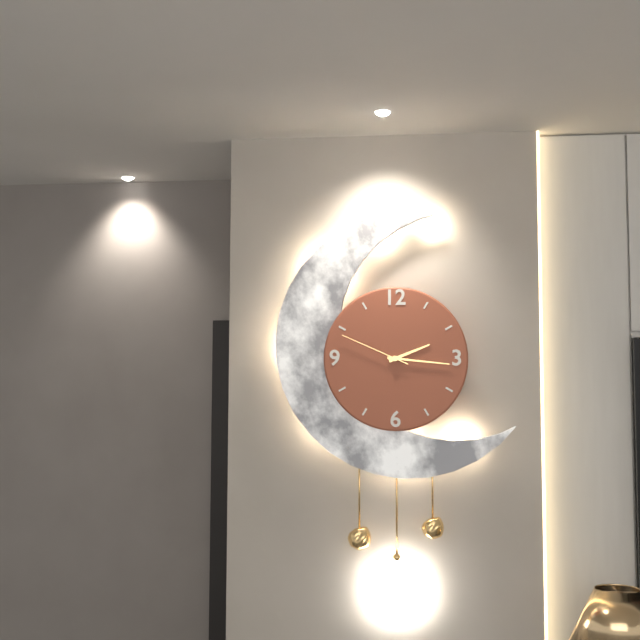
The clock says 2.16.49
